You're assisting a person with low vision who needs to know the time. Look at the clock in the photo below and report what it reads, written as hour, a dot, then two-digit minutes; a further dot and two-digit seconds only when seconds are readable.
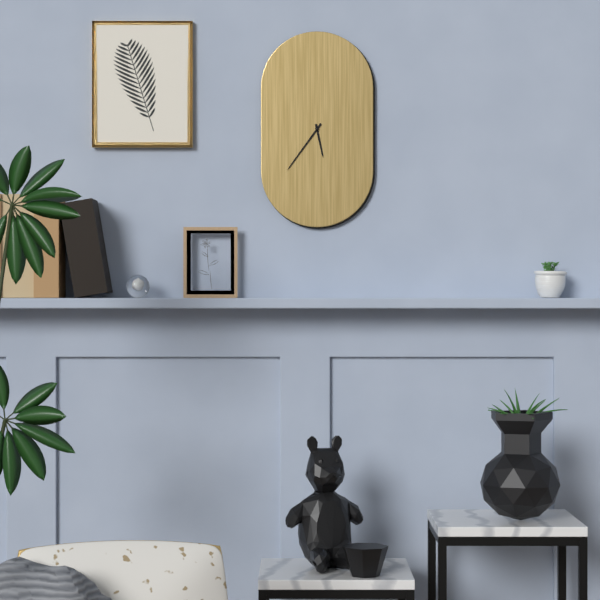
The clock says 5.36
